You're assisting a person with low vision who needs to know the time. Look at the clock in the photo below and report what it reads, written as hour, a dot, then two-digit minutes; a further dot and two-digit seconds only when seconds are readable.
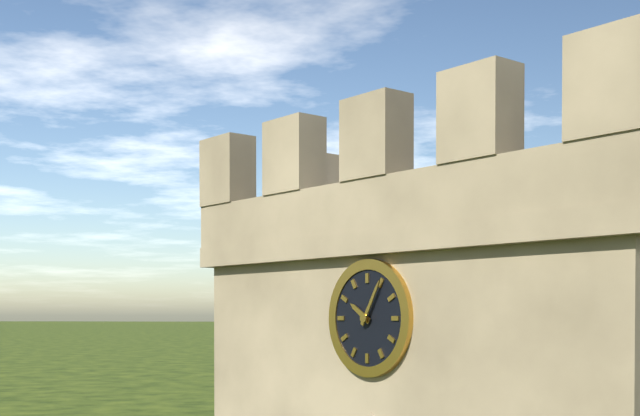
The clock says 10.05
